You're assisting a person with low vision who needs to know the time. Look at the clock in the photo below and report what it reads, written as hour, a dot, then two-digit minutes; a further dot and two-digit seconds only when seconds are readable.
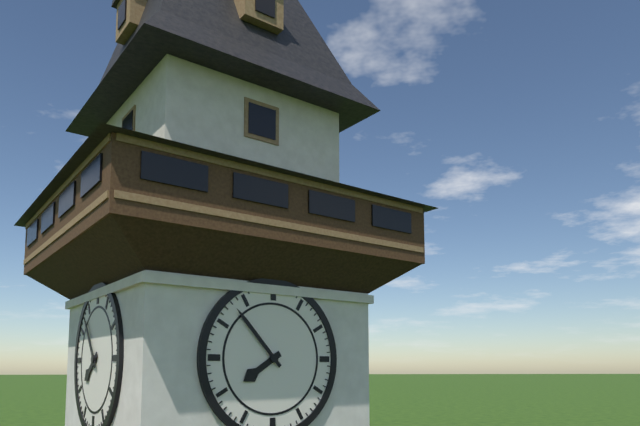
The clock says 7.53
